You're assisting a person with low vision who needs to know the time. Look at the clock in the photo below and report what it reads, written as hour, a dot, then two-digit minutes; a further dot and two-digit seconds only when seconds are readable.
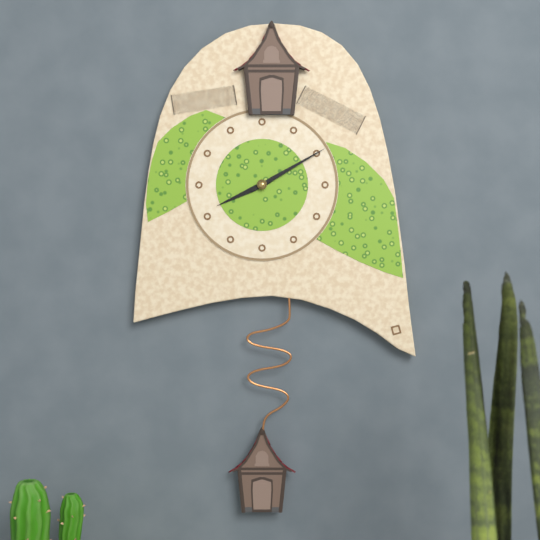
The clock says 8.10
